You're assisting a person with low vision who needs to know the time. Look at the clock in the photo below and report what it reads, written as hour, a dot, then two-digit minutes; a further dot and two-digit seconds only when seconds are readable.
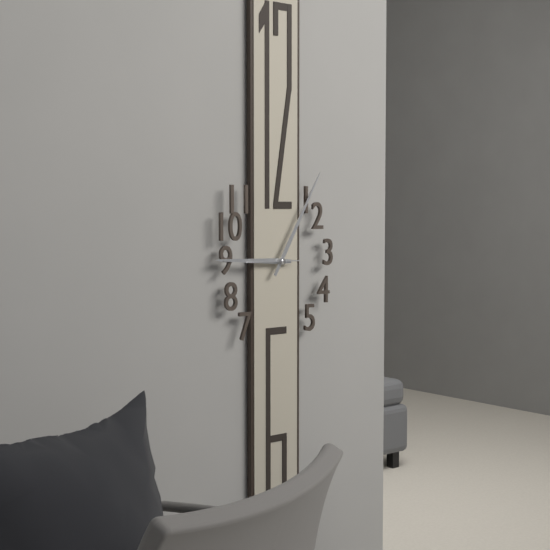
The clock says 9.05
